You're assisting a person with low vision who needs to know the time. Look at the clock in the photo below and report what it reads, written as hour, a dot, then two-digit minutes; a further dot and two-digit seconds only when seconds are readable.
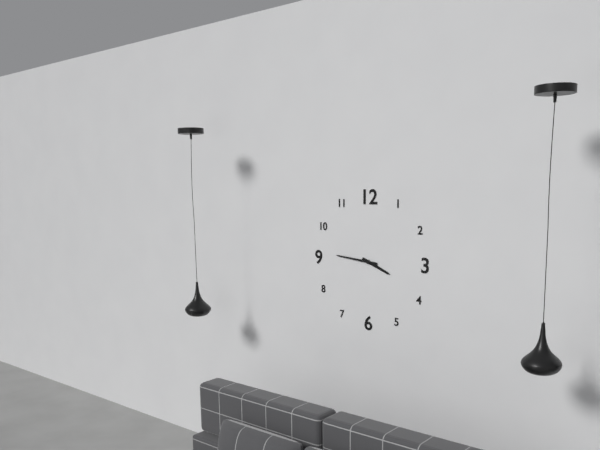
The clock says 3.46
